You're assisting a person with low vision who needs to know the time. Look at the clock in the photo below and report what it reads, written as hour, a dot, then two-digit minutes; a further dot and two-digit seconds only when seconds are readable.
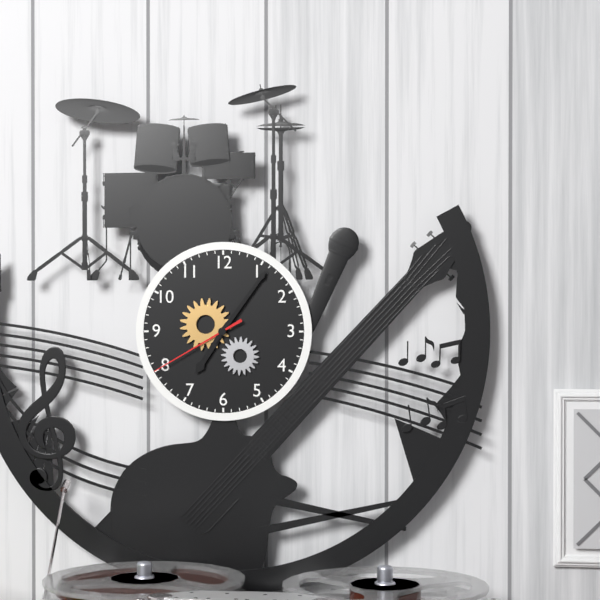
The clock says 7.06.40
